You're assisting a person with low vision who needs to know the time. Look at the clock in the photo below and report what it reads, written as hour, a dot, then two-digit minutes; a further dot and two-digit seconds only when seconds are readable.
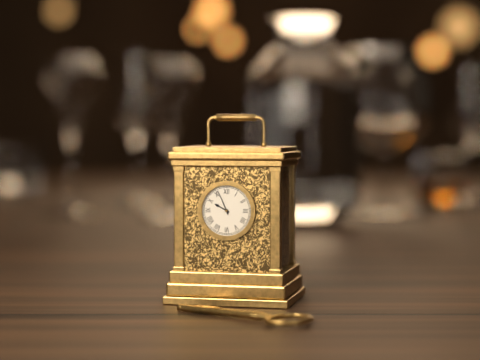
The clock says 9.56
